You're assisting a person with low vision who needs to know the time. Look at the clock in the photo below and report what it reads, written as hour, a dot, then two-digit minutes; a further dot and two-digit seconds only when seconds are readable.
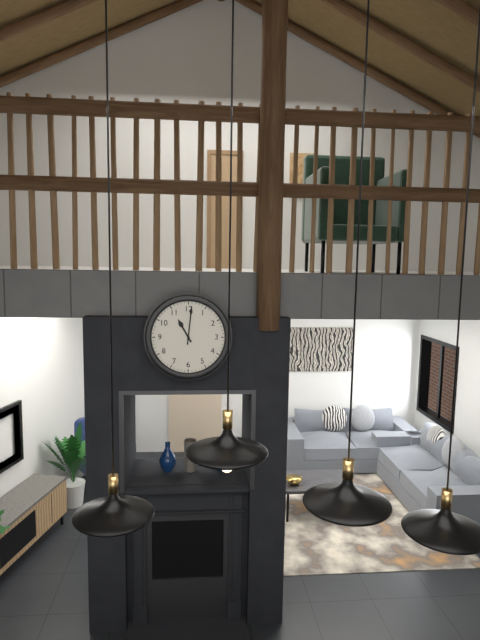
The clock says 11.01
